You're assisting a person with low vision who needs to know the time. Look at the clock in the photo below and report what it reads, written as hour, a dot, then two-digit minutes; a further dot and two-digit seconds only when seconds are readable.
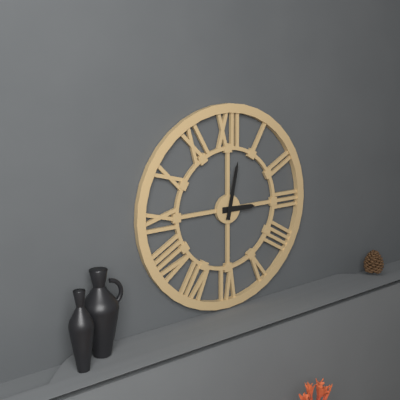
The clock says 3.02
